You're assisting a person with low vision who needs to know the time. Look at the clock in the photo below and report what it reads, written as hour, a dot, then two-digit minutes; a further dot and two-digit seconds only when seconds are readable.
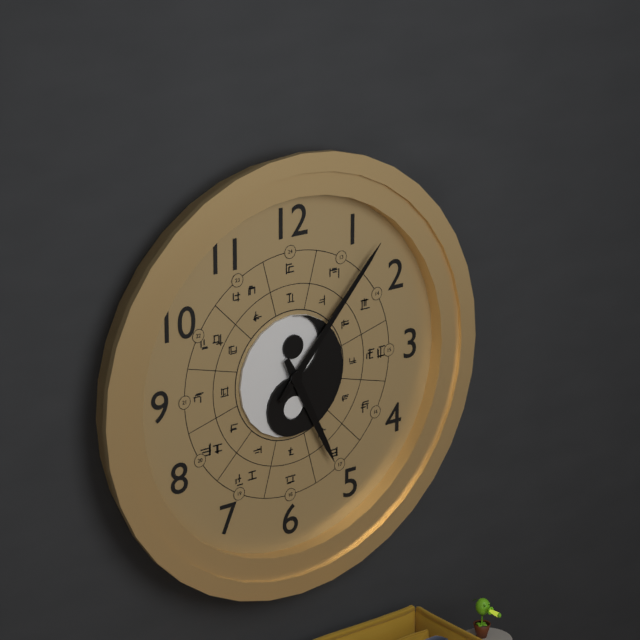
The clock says 5.07
